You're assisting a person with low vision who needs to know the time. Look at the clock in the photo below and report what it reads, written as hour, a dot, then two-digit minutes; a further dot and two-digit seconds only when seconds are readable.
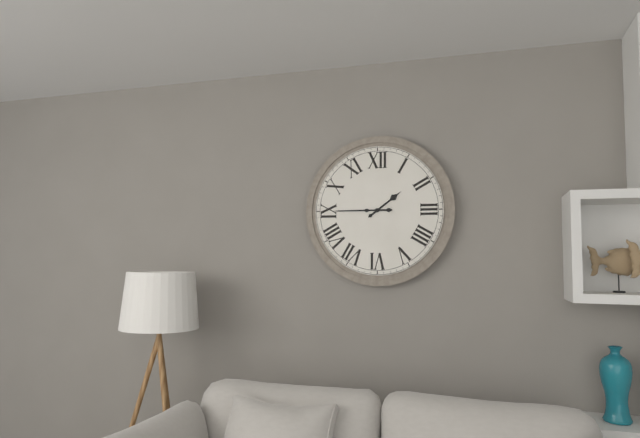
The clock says 1.45
